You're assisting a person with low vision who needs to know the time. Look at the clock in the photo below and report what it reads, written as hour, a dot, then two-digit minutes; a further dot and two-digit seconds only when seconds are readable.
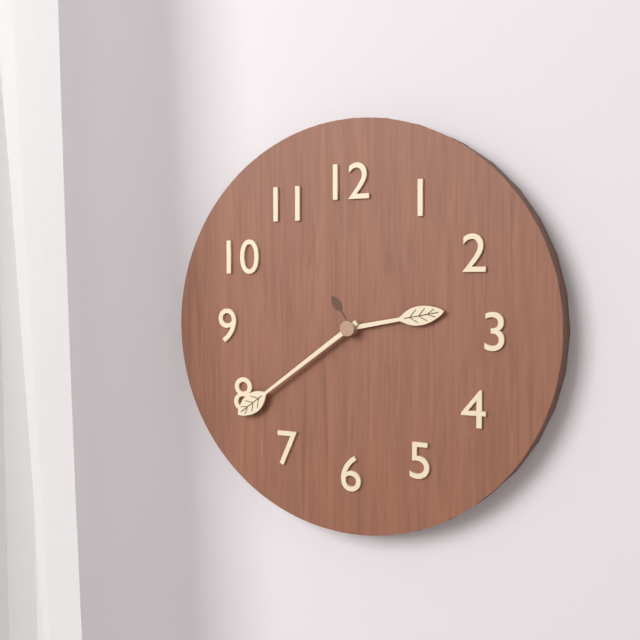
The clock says 2.39
